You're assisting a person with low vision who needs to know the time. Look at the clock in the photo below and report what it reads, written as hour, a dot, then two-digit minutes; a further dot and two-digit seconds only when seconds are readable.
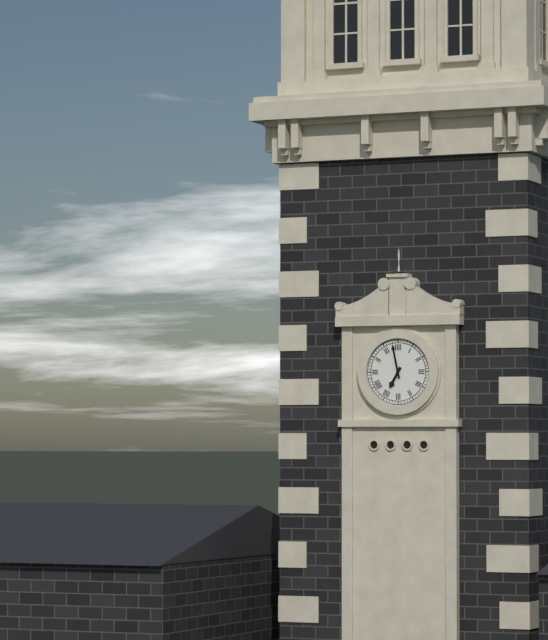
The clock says 6.58
